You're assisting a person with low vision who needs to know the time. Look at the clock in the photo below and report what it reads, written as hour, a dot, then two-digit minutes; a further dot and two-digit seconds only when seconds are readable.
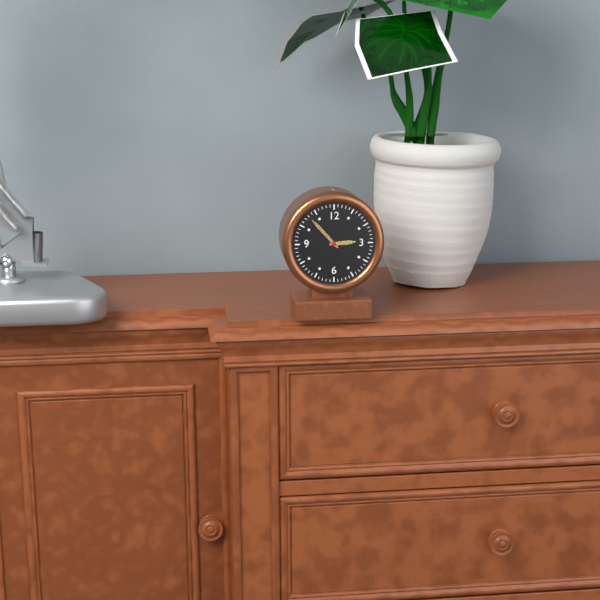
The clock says 2.53
